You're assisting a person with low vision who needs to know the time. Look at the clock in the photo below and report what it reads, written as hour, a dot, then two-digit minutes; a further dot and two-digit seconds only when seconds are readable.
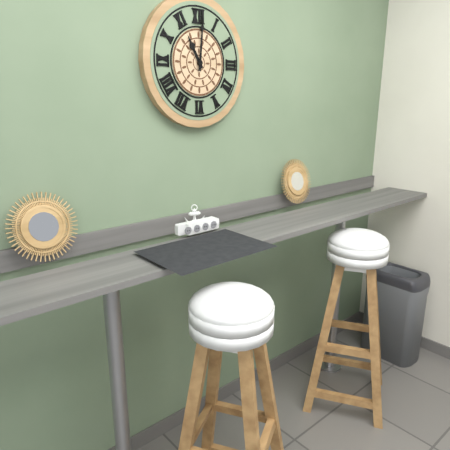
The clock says 11.01
